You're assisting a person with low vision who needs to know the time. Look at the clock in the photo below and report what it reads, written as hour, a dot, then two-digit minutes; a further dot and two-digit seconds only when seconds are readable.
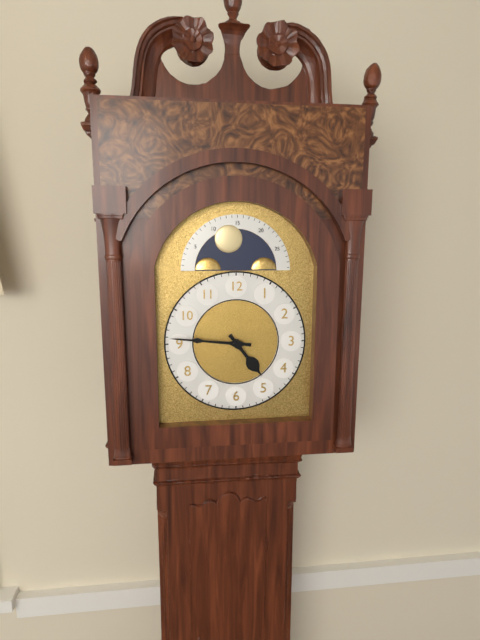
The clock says 4.46
